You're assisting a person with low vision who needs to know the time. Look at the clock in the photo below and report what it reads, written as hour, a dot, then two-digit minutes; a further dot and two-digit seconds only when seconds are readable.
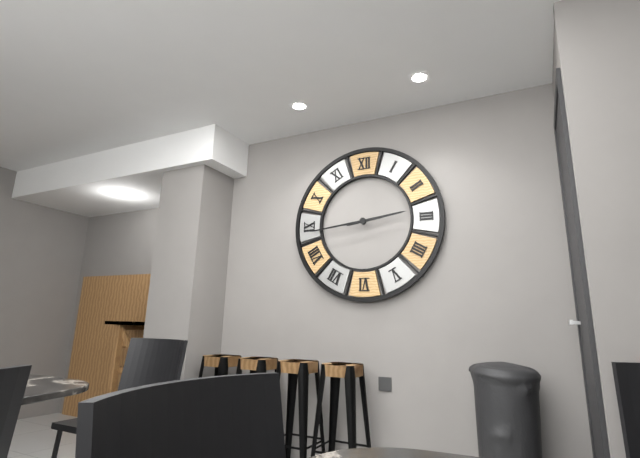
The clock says 2.44
